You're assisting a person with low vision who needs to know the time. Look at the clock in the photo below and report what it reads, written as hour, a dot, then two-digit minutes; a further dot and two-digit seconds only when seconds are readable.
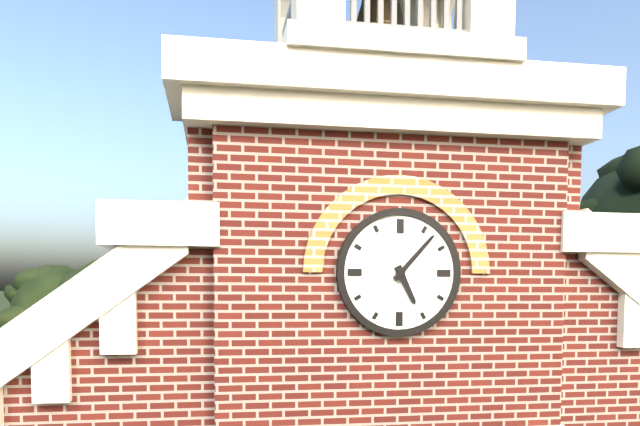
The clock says 5.07
